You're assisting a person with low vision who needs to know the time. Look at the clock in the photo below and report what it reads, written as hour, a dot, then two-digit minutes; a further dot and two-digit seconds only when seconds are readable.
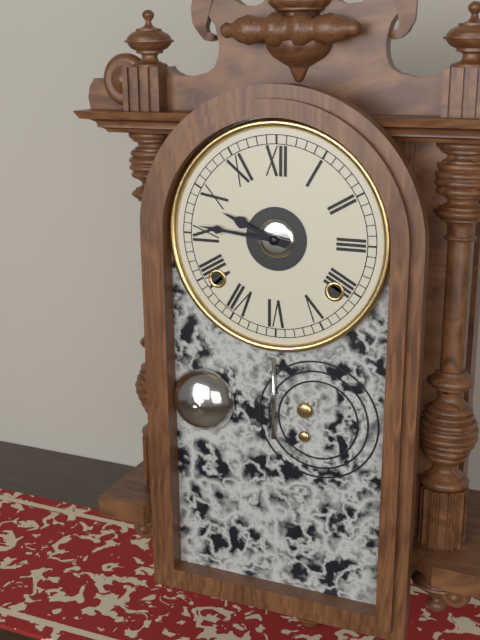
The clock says 9.46
